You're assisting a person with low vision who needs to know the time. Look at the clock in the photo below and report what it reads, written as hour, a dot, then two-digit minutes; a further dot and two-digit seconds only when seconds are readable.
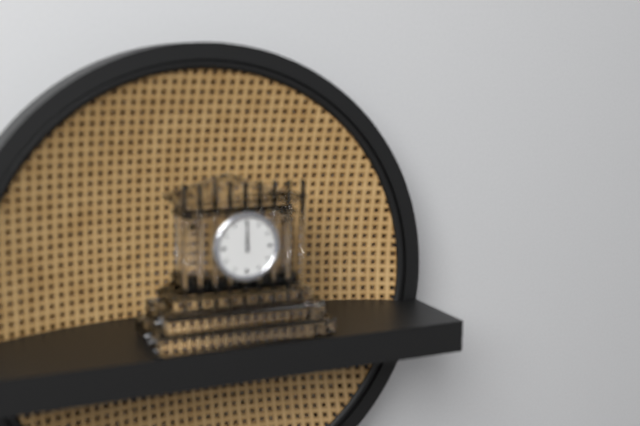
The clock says 12.00
